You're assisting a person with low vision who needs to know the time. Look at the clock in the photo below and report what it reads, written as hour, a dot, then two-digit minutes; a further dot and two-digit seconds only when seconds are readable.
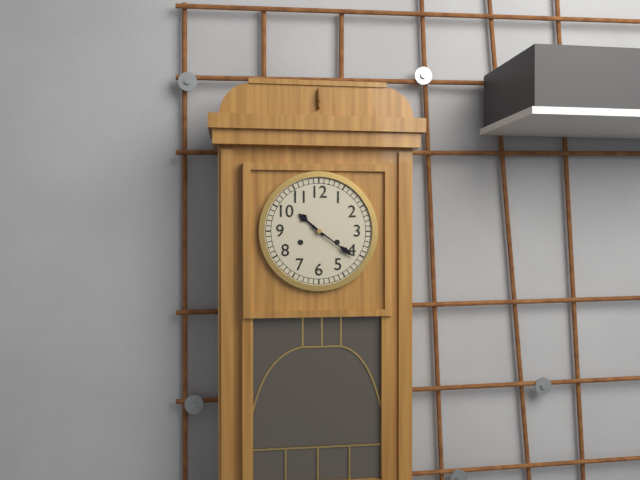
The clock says 10.21
